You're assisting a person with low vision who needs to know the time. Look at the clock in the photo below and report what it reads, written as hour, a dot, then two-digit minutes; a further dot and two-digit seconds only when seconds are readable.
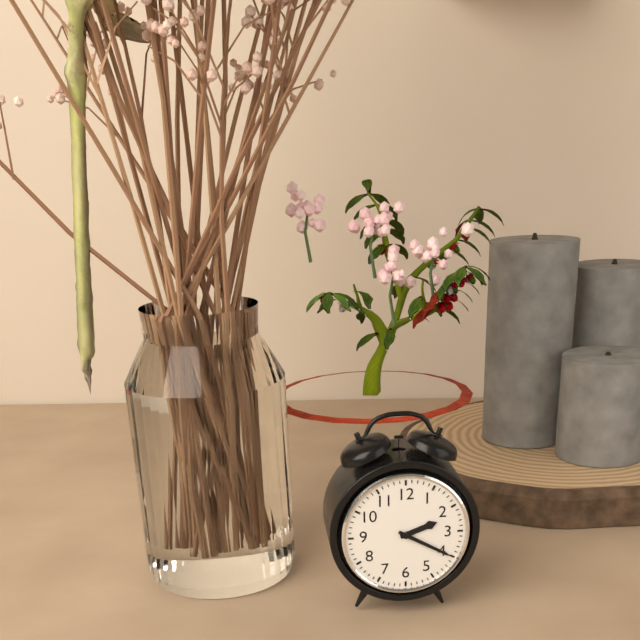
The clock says 2.20
